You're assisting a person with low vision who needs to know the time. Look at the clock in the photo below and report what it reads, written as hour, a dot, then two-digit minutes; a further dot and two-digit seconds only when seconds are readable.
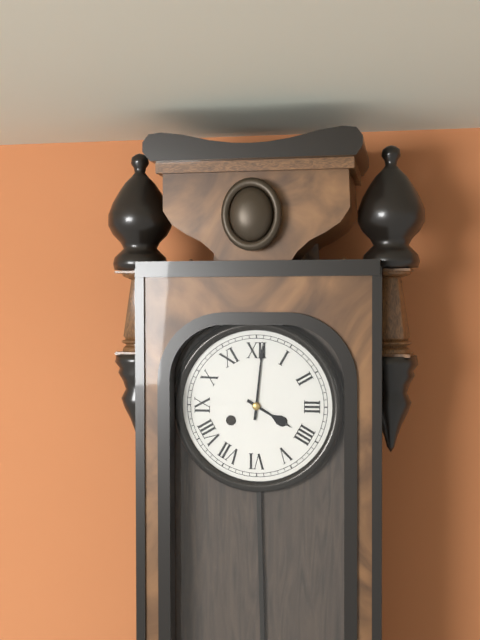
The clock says 4.01
